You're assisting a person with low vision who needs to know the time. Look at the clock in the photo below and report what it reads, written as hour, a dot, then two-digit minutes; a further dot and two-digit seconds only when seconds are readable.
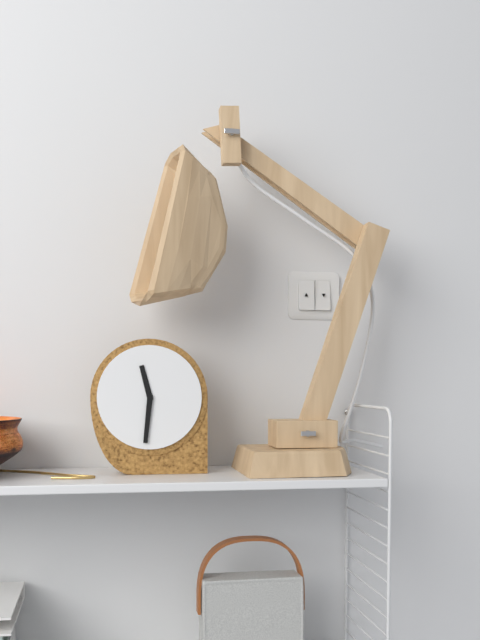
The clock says 11.31
